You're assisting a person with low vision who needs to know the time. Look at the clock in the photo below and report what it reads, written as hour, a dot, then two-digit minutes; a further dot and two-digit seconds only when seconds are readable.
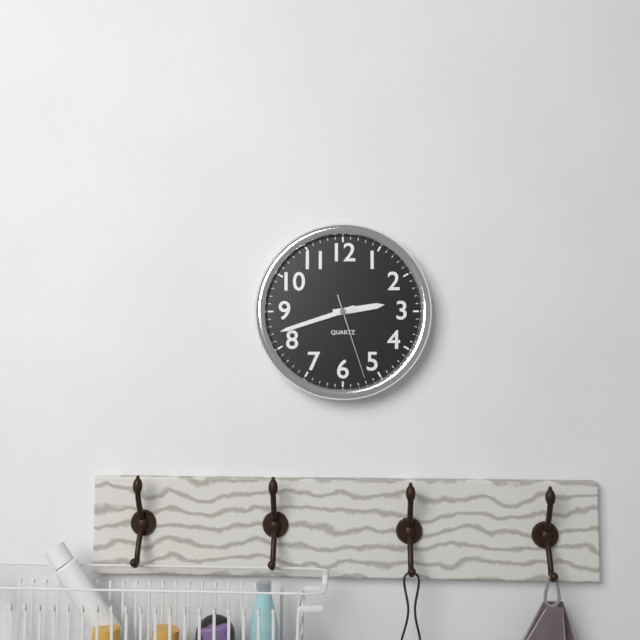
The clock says 2.42.27
